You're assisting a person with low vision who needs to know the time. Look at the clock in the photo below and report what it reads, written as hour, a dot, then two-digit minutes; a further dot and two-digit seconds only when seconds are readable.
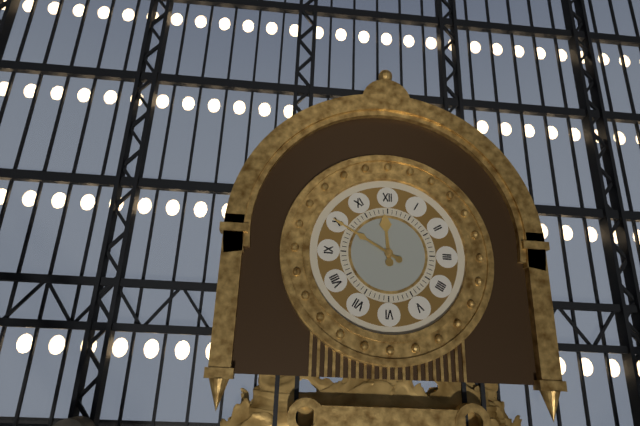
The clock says 11.50
